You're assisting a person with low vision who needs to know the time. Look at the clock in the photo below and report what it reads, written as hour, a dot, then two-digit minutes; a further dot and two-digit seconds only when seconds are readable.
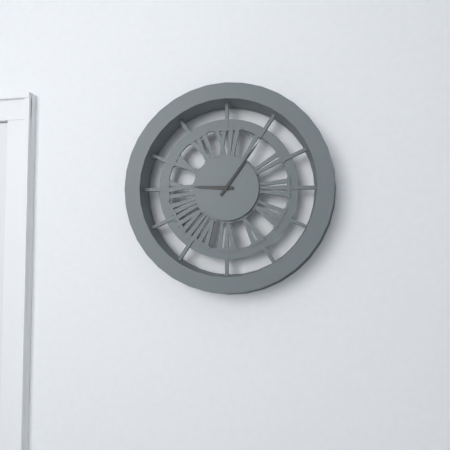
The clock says 9.06
